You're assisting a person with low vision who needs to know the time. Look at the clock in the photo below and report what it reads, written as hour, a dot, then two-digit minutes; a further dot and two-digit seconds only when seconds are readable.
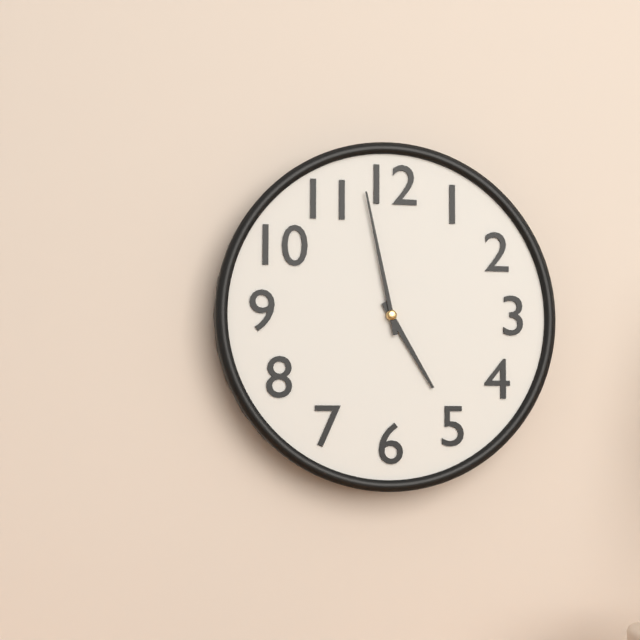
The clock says 4.58
